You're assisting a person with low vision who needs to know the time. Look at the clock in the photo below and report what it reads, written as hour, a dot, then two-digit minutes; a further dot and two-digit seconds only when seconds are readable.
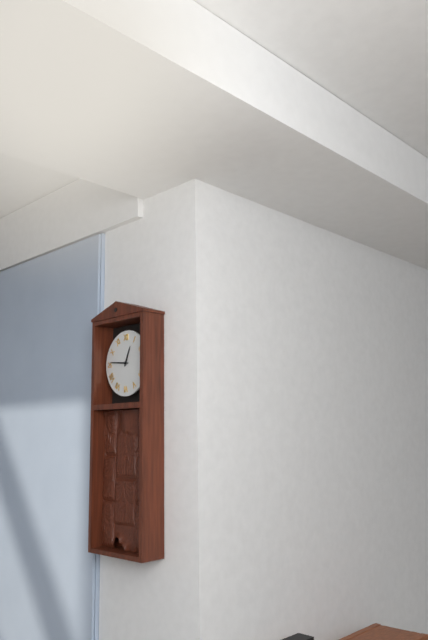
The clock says 12.46
